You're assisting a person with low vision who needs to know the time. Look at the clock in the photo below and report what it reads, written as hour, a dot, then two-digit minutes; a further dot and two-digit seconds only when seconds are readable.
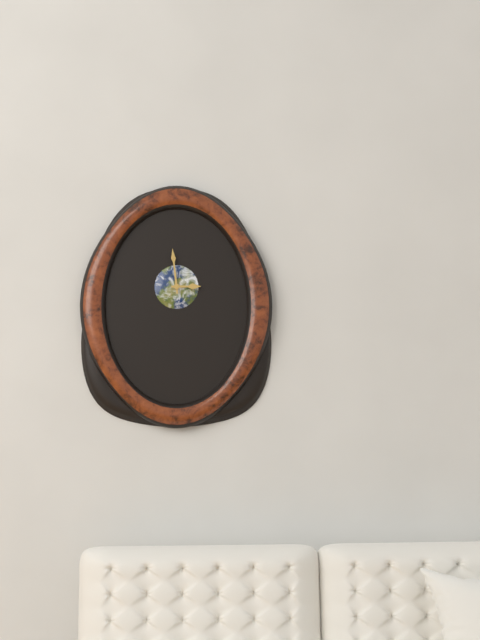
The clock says 2.59
